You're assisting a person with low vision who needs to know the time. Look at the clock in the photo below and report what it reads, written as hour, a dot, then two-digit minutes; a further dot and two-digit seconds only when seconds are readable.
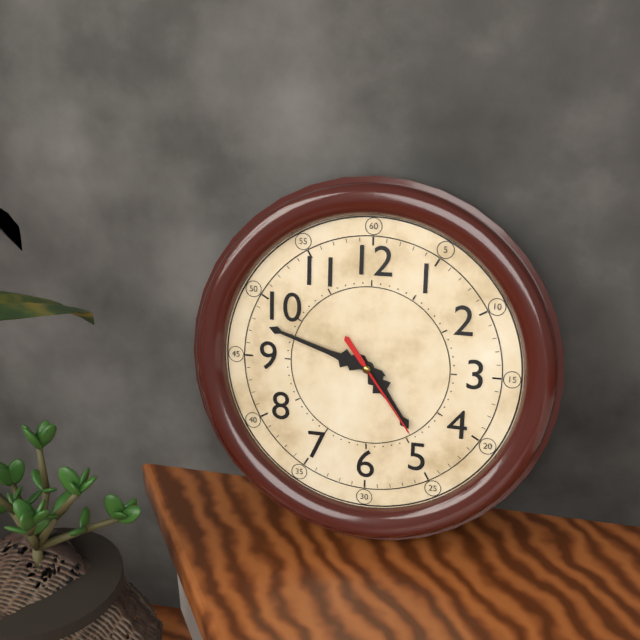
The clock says 4.48.24
